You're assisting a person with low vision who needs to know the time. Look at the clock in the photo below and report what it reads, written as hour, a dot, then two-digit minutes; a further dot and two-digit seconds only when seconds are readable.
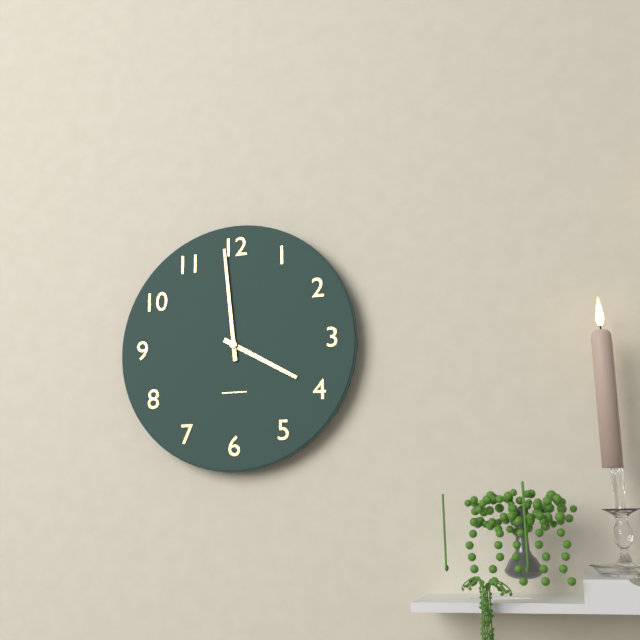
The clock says 3.59
